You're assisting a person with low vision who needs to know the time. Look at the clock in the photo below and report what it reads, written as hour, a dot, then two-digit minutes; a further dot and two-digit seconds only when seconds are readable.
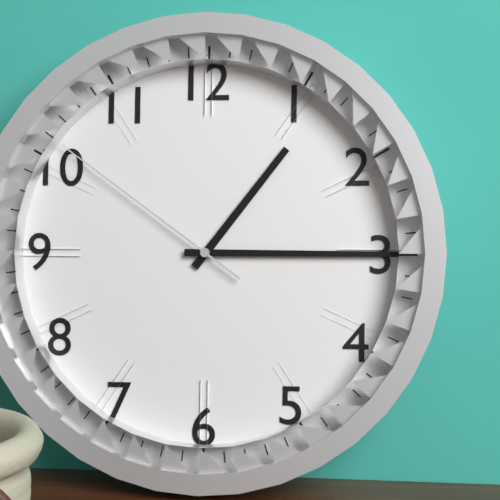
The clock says 1.15.51
